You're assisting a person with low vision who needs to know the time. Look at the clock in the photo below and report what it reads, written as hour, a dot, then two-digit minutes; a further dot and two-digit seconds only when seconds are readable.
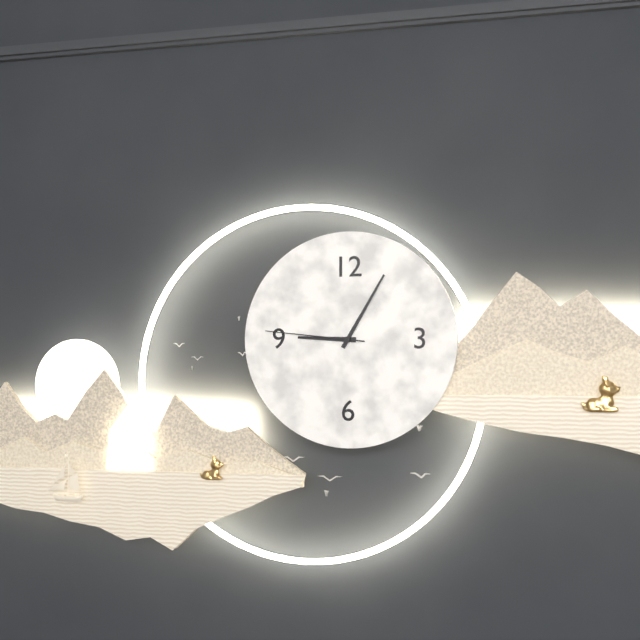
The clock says 9.05.46
